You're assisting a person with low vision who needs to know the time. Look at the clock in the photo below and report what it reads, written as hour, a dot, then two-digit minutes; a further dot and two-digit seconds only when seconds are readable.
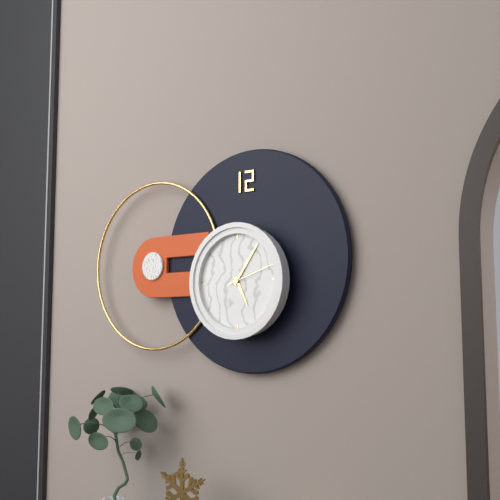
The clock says 5.06.12
